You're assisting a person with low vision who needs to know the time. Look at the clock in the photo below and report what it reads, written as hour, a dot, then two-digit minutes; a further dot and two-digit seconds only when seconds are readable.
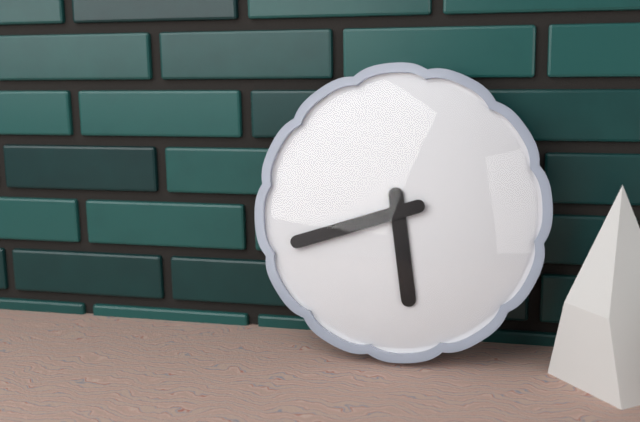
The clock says 5.42
